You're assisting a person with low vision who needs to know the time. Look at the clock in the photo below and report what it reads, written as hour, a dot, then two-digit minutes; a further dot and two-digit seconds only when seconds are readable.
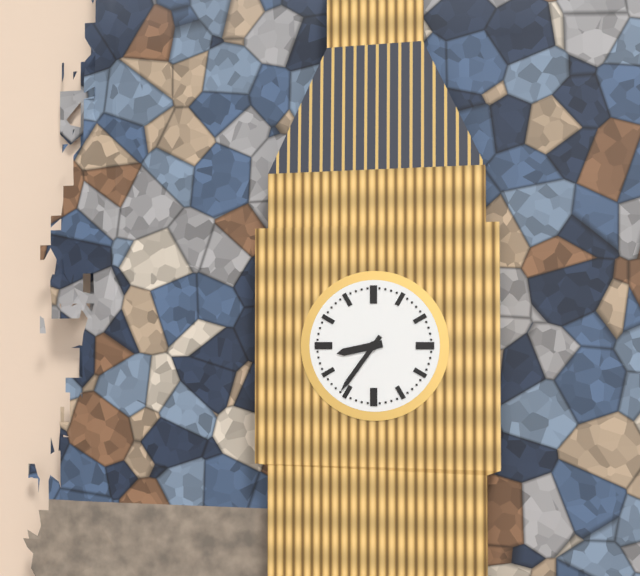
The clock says 8.36
